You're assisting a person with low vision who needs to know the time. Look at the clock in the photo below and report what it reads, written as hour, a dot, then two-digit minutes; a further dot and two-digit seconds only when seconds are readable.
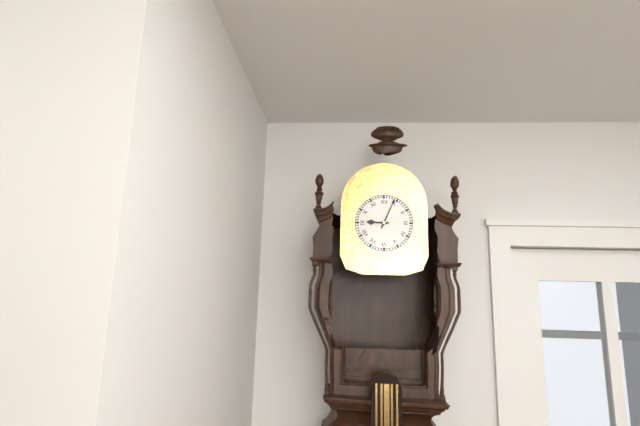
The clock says 9.04
